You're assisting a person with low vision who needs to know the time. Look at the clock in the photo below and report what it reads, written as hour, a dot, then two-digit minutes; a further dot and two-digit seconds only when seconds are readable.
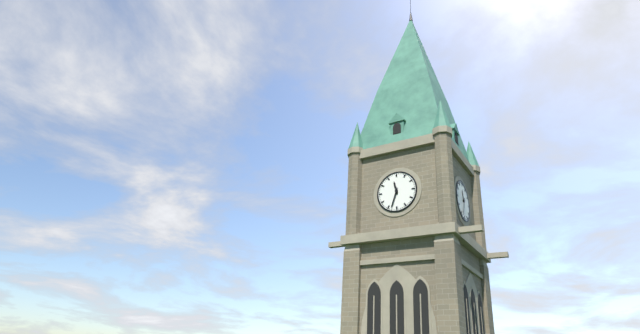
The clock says 11.33
